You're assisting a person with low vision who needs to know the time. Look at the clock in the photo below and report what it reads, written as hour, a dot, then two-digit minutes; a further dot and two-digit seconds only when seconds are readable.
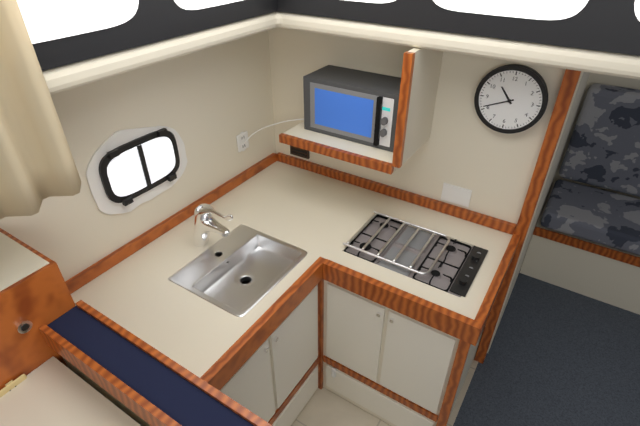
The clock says 10.41
